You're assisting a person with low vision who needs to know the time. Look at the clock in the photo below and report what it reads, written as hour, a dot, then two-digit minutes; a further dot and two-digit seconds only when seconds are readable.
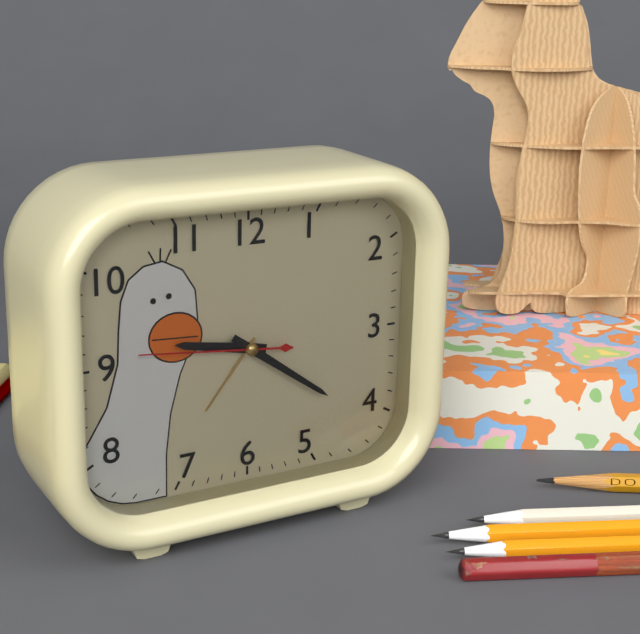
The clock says 9.21.46
